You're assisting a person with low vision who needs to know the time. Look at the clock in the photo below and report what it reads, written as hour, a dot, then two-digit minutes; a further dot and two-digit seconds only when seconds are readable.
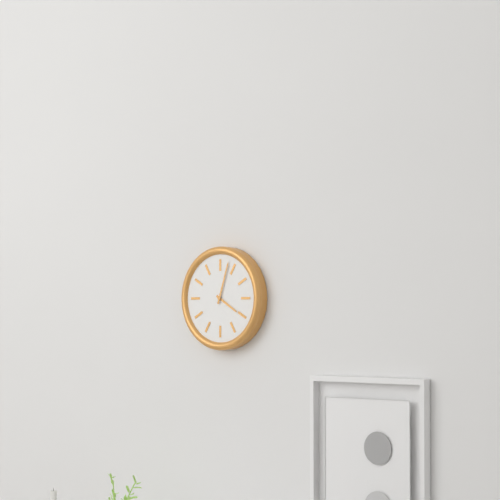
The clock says 4.03
